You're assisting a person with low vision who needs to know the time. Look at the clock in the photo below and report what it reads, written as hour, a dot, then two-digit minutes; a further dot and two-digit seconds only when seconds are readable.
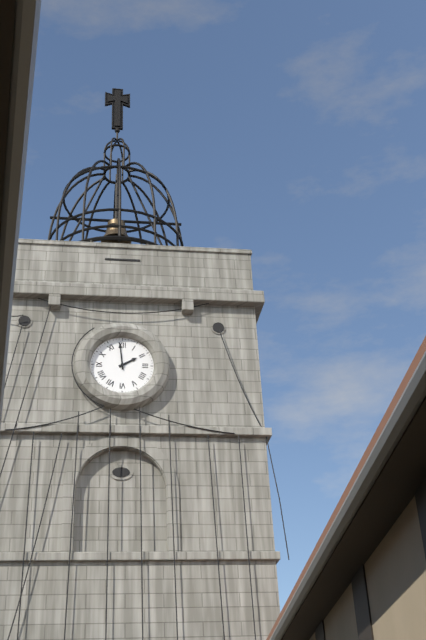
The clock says 1.59
